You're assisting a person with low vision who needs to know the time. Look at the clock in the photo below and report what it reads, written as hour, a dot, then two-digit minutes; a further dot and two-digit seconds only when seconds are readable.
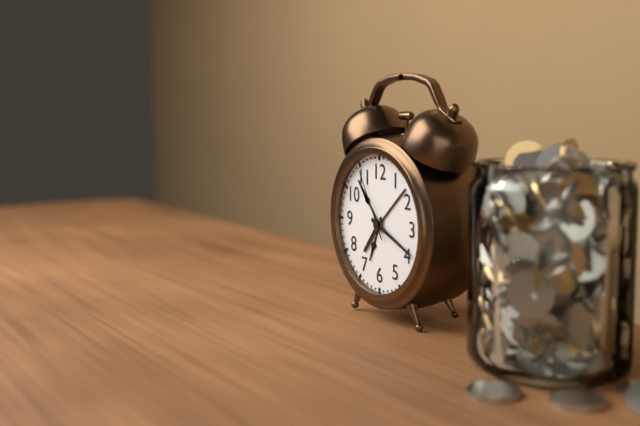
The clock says 7.19.55
